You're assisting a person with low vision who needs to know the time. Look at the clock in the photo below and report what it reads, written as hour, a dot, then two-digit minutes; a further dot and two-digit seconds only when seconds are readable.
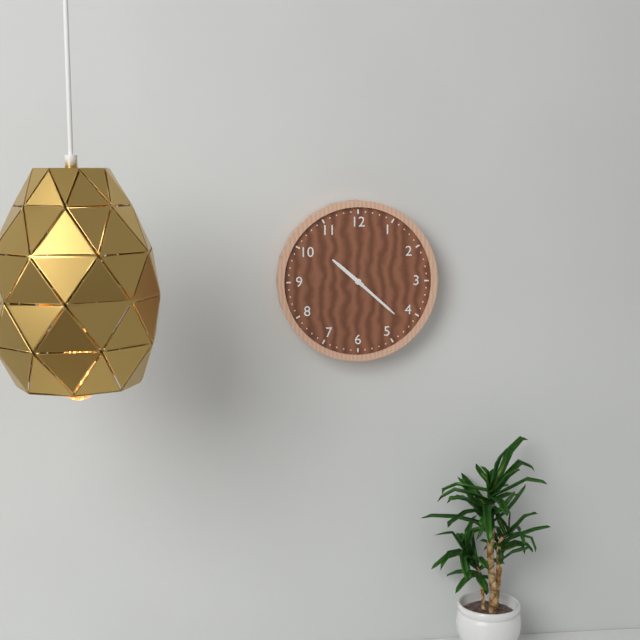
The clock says 10.22
